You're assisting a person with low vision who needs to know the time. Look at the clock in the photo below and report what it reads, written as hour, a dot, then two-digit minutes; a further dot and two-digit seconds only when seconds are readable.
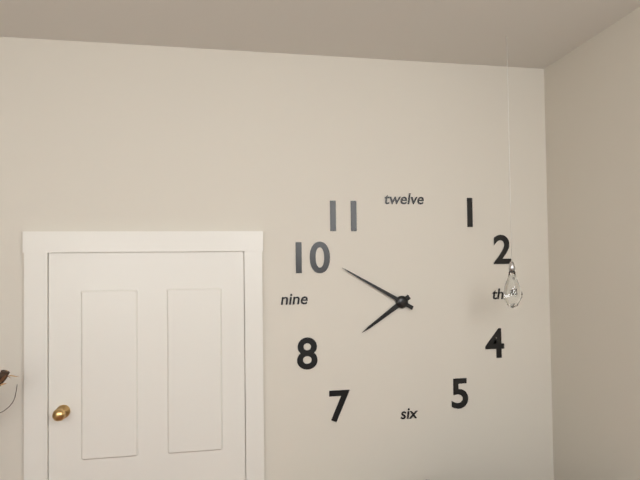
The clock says 7.50
